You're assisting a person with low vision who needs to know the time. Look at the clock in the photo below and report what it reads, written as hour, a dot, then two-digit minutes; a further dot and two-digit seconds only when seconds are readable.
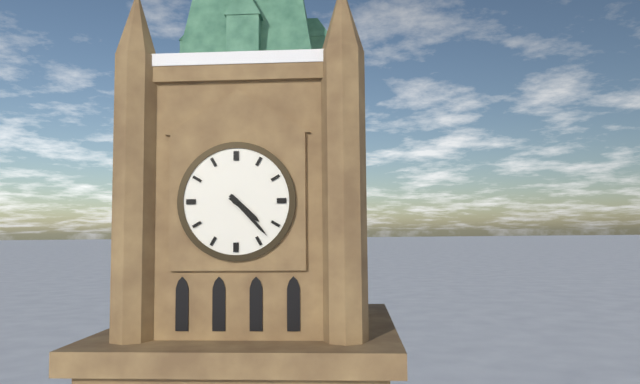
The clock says 4.23
